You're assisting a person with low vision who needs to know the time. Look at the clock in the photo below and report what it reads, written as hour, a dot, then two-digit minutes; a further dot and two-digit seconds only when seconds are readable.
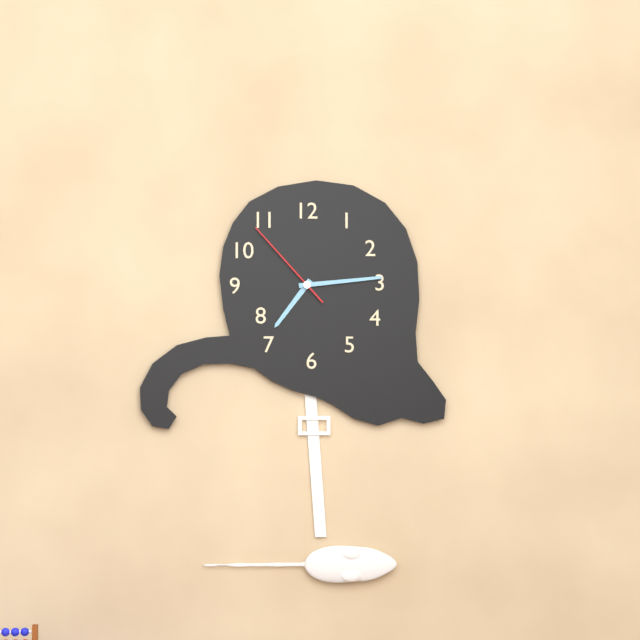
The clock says 7.14.53
